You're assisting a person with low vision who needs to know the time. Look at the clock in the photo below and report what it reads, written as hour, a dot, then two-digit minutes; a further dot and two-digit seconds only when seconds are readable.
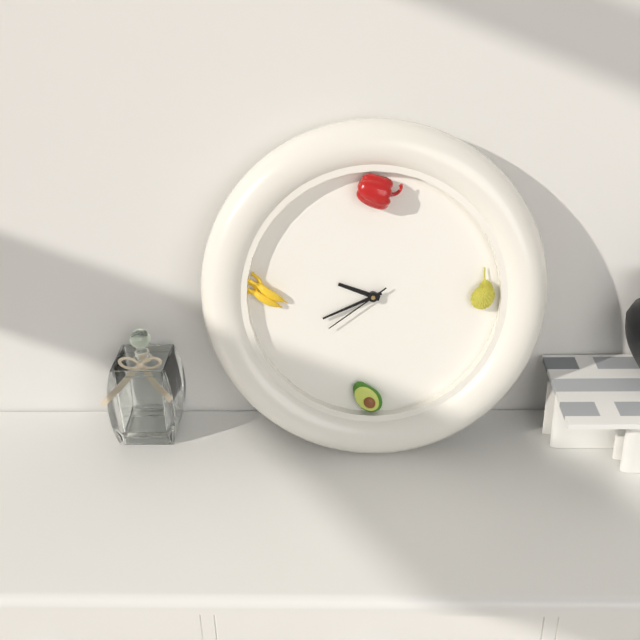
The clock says 9.41.39
